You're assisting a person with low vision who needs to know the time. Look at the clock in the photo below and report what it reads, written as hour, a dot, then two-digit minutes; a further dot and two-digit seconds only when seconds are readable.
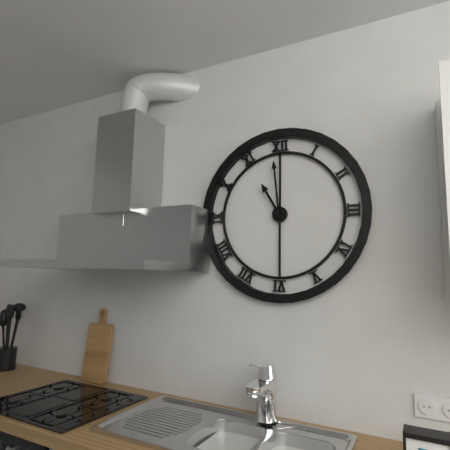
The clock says 10.59
